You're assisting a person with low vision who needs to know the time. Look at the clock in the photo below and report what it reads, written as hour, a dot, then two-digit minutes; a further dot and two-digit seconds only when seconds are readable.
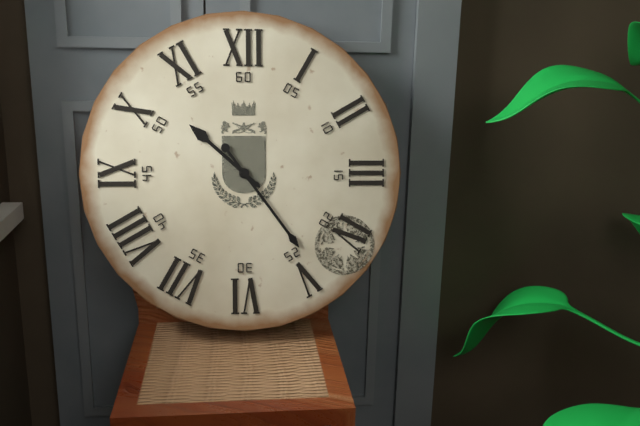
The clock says 10.24
